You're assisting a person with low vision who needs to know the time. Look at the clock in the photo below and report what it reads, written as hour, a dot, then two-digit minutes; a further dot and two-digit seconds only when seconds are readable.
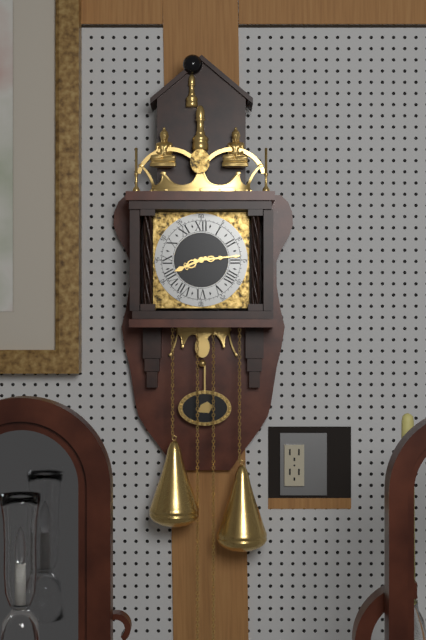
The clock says 8.14
